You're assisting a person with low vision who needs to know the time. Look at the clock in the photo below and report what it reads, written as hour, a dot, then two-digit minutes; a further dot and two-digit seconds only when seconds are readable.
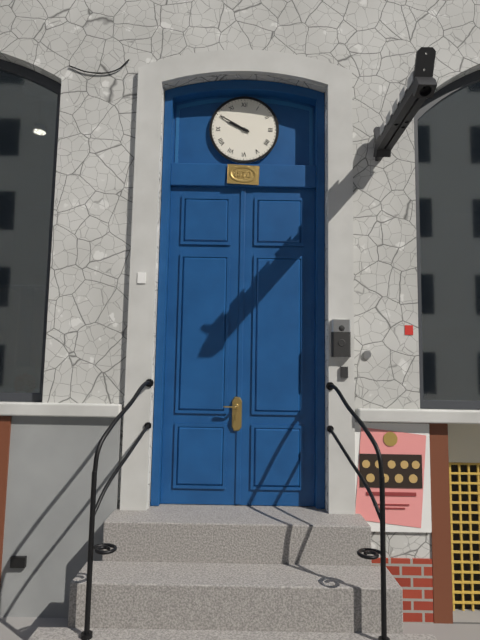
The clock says 9.50
